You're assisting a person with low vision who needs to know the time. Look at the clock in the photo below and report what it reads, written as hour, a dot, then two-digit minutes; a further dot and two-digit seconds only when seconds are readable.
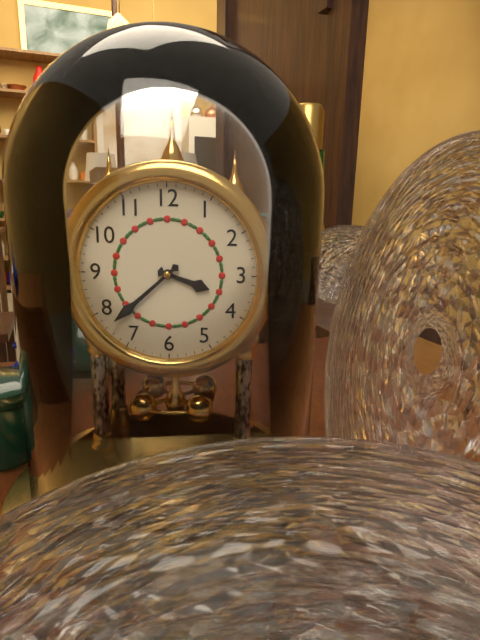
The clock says 3.38
